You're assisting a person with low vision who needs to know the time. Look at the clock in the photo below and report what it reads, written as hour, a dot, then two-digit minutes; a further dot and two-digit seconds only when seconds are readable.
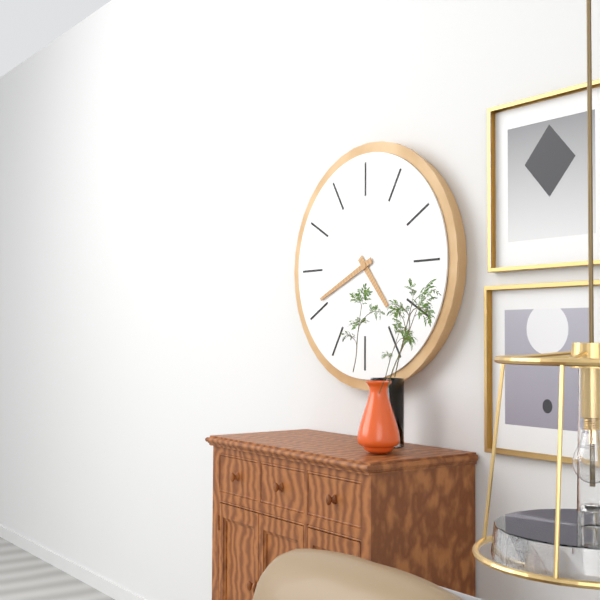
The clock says 4.41
